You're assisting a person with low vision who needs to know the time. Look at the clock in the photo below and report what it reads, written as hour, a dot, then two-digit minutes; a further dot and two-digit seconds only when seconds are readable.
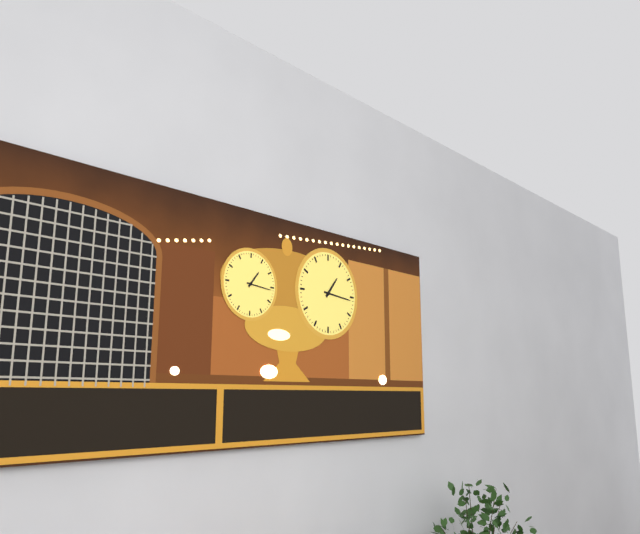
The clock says 1.16
